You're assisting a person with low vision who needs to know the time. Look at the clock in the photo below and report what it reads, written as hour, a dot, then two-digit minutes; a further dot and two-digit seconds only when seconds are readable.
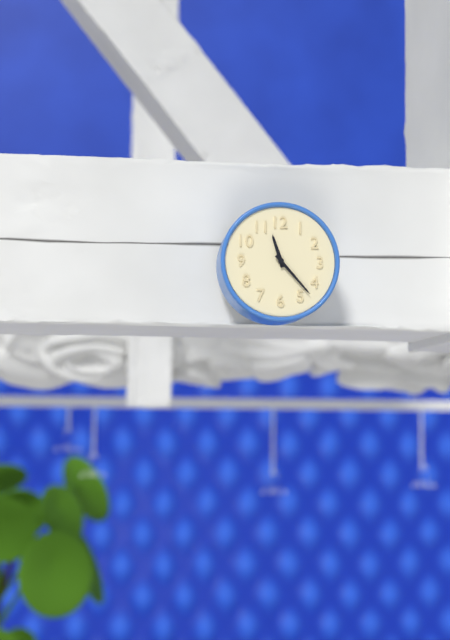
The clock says 11.23
